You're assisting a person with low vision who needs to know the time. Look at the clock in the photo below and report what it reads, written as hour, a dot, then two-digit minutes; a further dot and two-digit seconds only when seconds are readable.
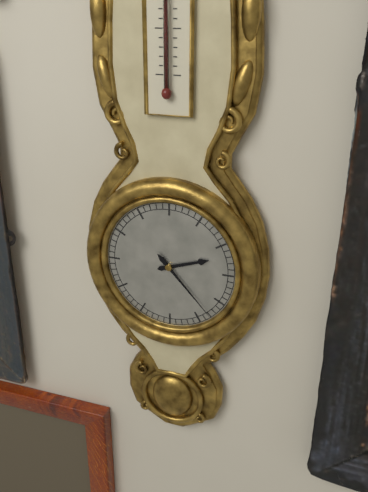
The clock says 2.23
